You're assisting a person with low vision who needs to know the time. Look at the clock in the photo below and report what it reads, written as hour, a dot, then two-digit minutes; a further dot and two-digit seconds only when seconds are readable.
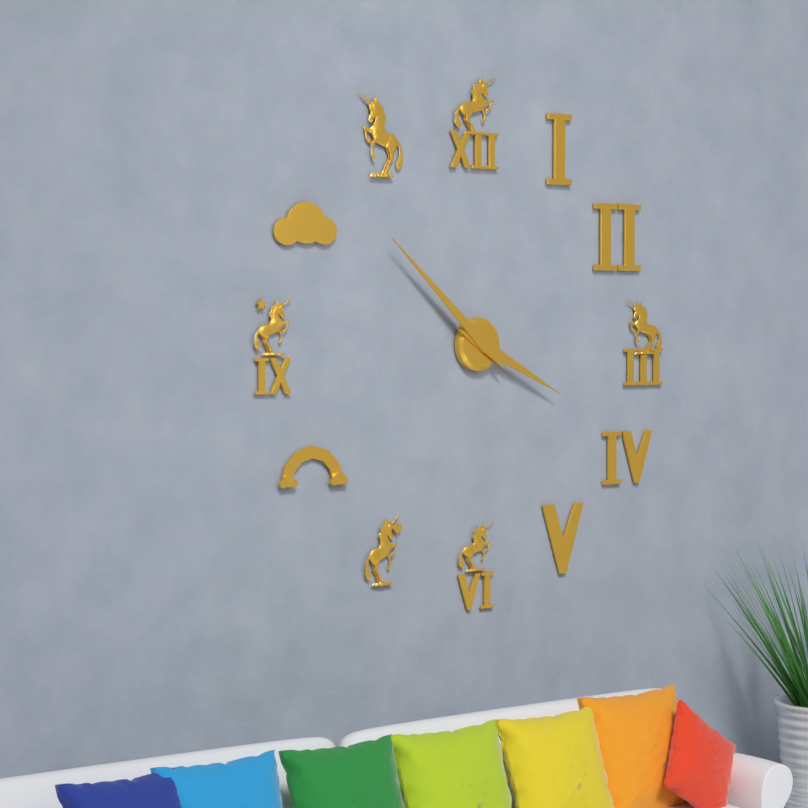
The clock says 3.52
